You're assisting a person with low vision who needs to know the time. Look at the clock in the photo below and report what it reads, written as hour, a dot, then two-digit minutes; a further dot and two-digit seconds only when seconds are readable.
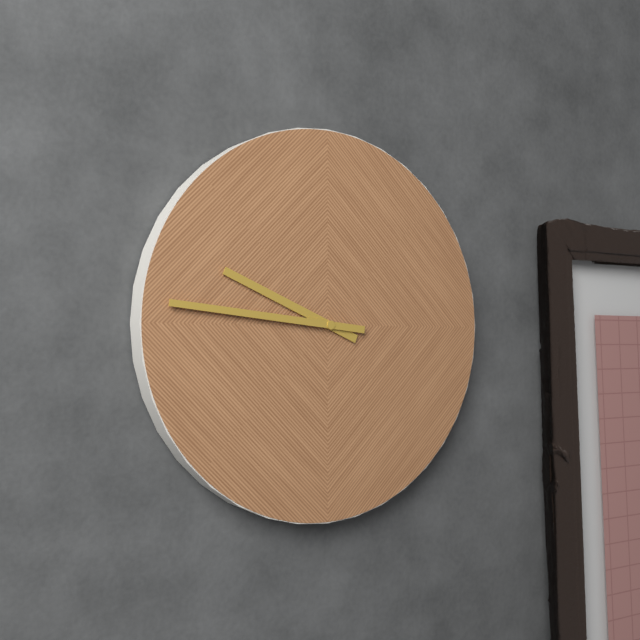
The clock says 9.46
